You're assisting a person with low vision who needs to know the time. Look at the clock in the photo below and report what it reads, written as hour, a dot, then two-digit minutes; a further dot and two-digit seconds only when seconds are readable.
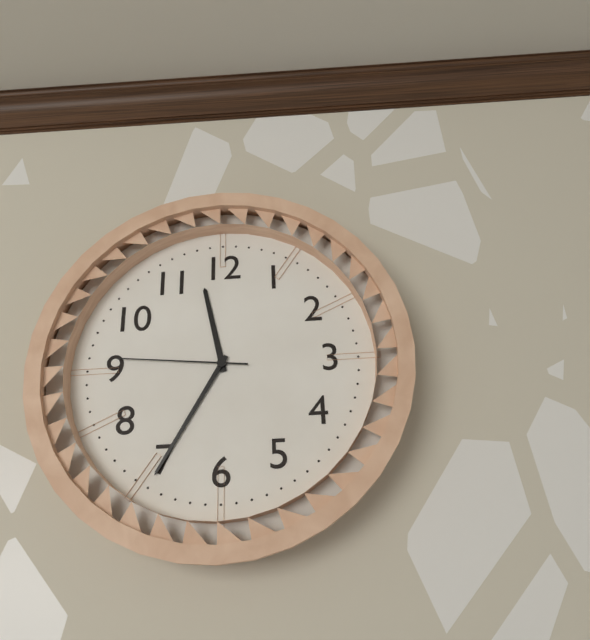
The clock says 11.35.46
